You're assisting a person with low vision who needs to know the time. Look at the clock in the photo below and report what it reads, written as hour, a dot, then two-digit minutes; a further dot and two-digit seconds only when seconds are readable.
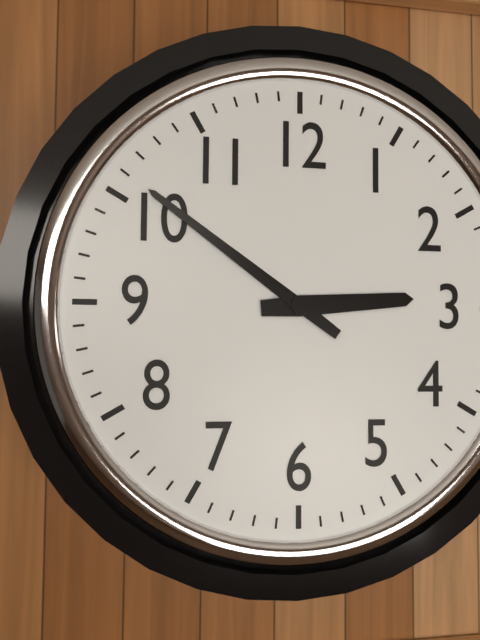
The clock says 2.51
